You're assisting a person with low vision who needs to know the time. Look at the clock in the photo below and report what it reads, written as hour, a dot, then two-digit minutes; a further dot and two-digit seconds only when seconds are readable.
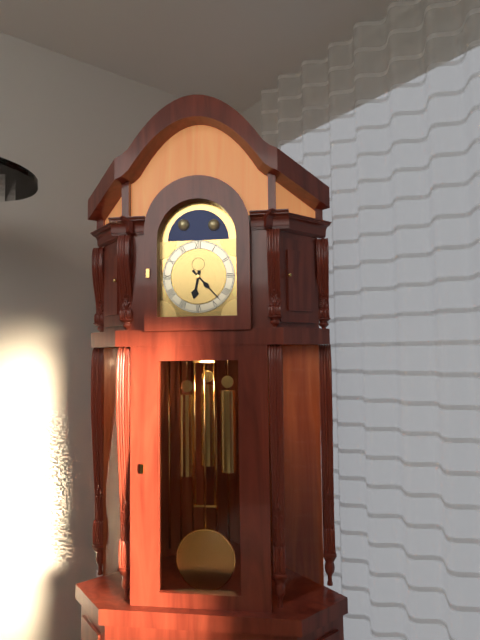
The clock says 6.23
